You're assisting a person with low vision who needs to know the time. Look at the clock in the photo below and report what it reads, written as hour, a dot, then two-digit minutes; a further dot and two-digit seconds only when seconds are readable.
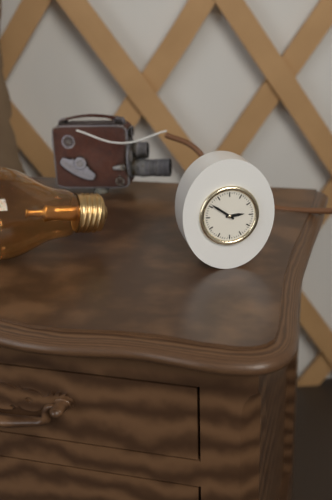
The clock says 2.51
